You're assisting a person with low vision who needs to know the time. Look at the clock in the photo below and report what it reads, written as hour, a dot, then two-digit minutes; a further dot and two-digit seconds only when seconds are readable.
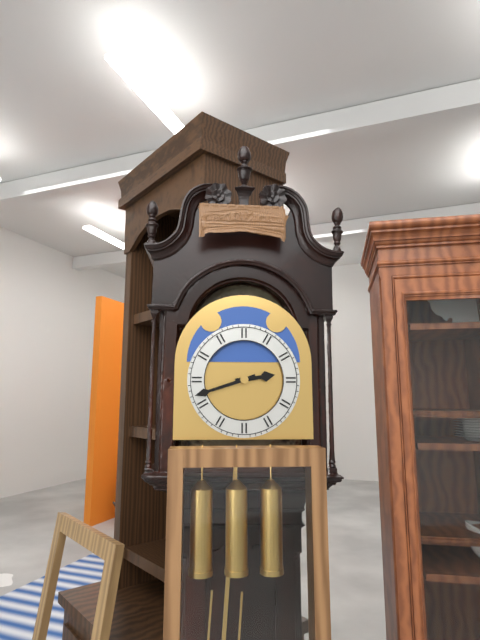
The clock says 2.42
